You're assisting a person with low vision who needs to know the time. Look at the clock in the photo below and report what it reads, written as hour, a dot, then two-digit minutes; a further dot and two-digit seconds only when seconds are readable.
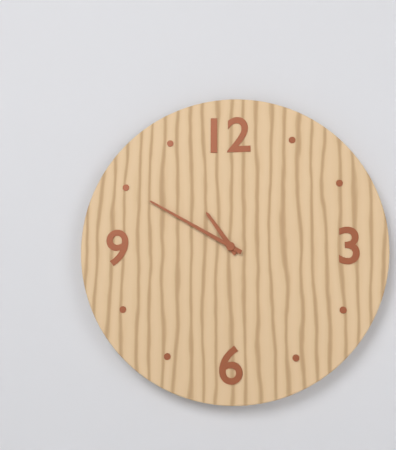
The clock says 10.50
